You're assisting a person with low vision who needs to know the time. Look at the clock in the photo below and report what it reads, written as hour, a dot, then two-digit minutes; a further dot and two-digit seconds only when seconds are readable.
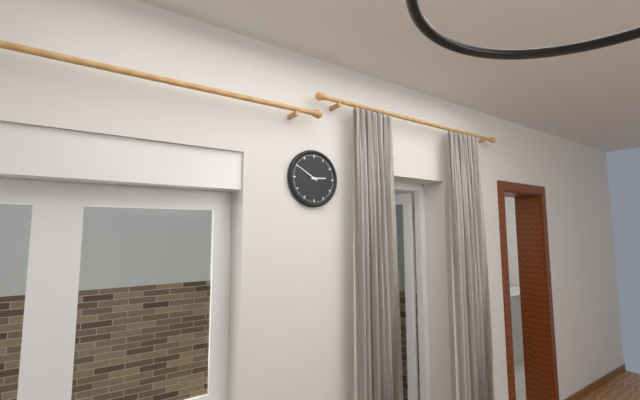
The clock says 2.50
